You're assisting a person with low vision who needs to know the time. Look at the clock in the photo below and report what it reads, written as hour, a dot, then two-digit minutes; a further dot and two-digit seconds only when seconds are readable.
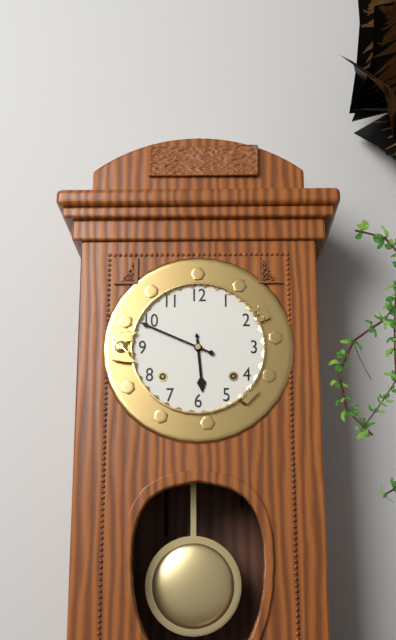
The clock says 5.49
